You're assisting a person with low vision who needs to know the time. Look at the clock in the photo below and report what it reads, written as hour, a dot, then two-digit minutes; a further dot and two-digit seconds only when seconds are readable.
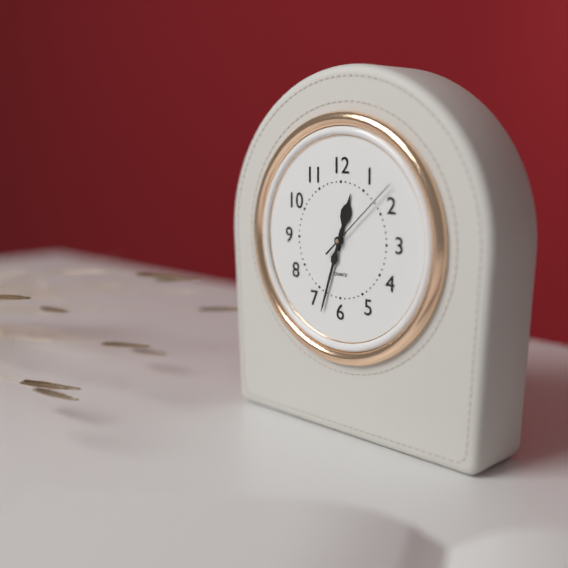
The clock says 12.33.08
